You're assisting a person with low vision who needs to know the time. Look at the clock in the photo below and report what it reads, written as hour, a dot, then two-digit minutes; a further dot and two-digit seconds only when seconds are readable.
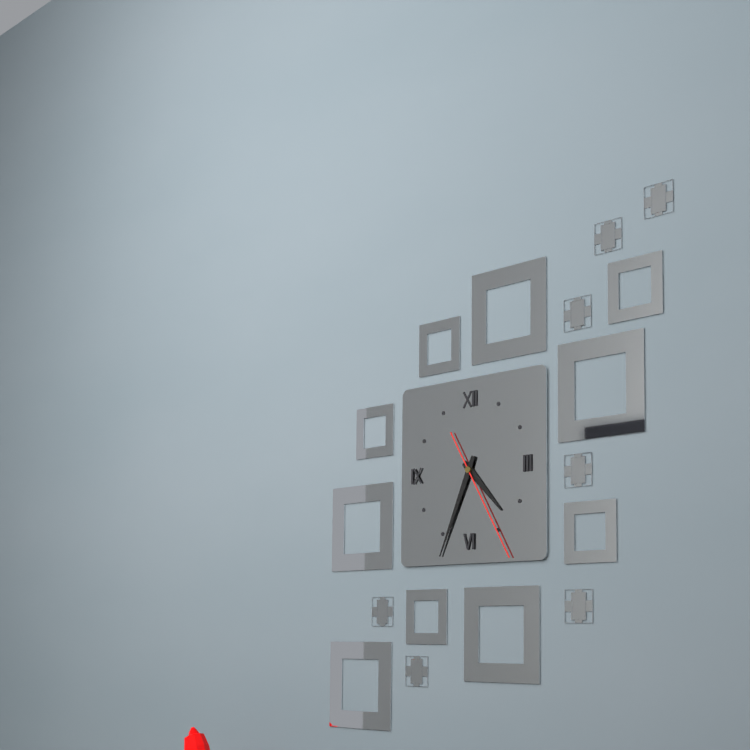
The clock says 4.34.25
